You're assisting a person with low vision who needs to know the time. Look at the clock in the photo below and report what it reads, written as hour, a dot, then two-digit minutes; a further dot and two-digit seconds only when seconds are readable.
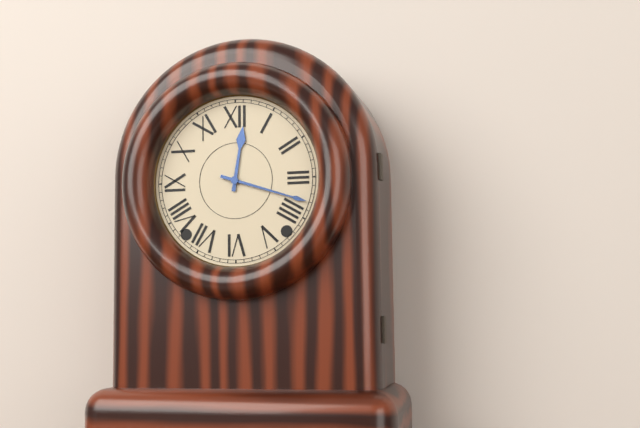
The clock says 12.18
